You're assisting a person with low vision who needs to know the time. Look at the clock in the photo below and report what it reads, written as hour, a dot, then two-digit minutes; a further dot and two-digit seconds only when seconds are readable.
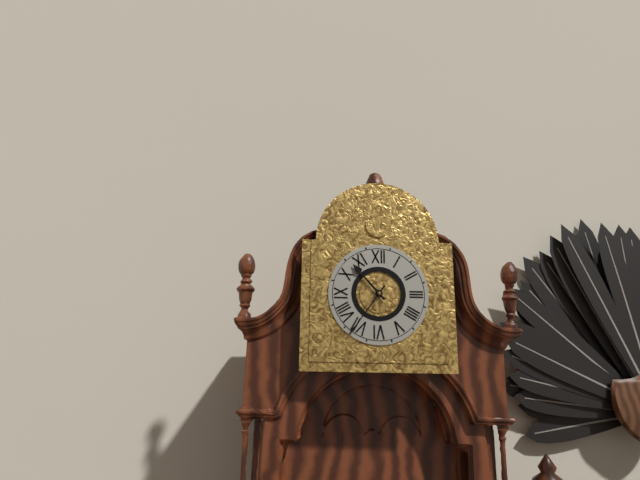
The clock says 10.36
